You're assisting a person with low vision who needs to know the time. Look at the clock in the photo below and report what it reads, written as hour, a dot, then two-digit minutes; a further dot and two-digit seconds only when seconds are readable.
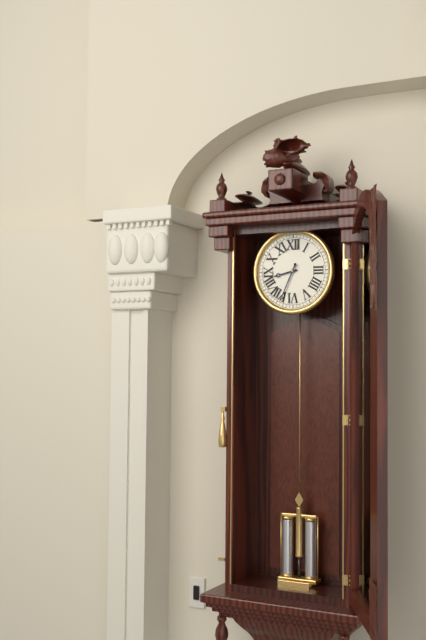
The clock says 8.34
